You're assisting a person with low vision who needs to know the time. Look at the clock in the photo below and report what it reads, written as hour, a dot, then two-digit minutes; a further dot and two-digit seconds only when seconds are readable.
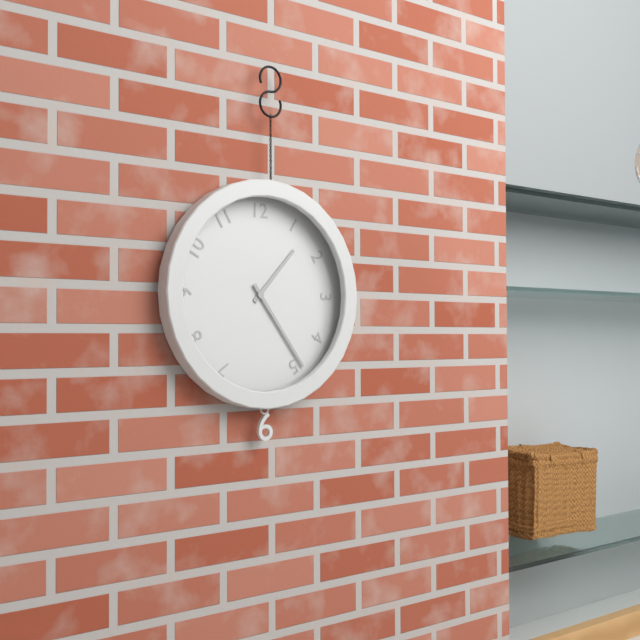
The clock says 1.24
